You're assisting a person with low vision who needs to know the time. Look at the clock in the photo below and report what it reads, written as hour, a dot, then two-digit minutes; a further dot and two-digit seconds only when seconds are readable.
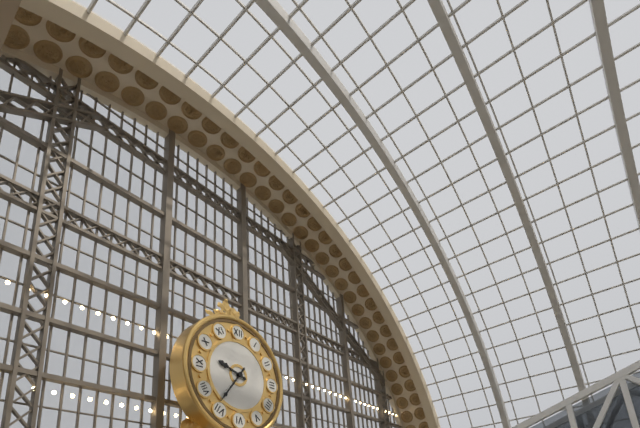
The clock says 9.36
